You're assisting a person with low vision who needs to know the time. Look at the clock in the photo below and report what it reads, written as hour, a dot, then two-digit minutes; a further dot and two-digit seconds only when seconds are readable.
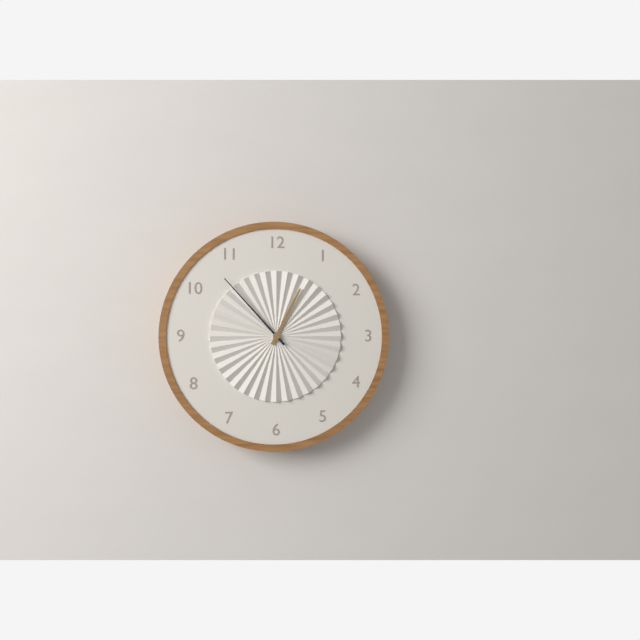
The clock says 12.53
